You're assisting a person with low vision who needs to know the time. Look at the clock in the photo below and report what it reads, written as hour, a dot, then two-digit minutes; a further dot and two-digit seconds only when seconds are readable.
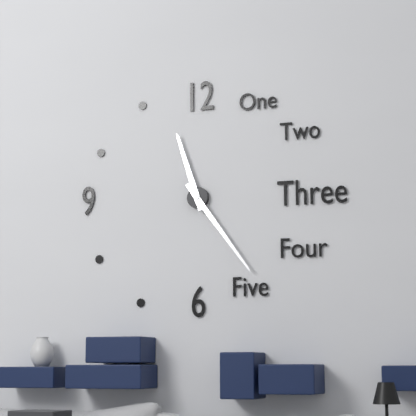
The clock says 11.24
